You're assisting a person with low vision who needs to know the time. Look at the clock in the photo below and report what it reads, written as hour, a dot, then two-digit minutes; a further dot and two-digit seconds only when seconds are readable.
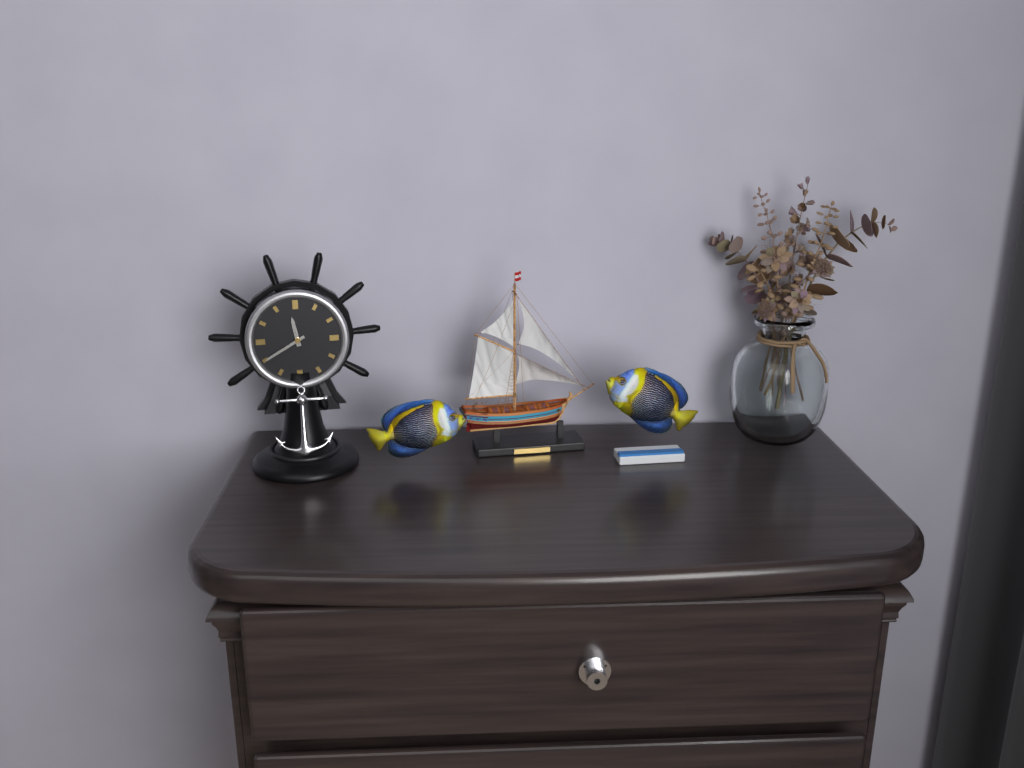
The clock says 11.40
